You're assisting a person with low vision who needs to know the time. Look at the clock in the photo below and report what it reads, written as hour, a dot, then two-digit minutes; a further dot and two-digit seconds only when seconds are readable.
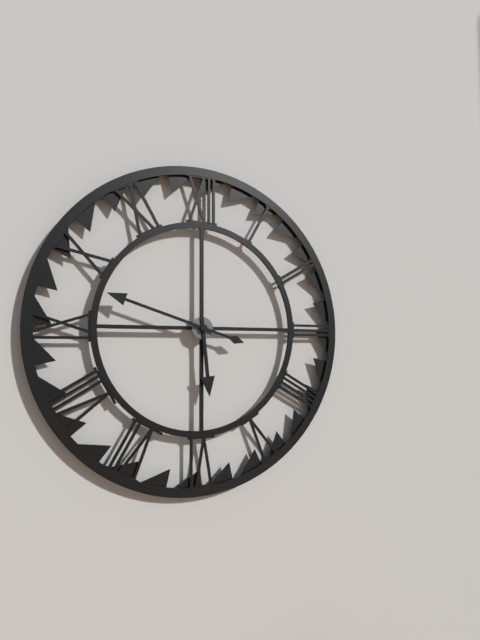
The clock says 5.48
